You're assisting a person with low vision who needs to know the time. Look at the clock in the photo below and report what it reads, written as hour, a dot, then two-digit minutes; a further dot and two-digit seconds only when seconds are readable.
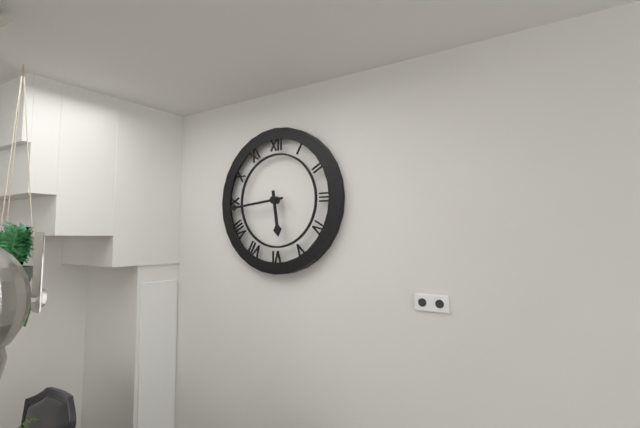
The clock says 5.44
